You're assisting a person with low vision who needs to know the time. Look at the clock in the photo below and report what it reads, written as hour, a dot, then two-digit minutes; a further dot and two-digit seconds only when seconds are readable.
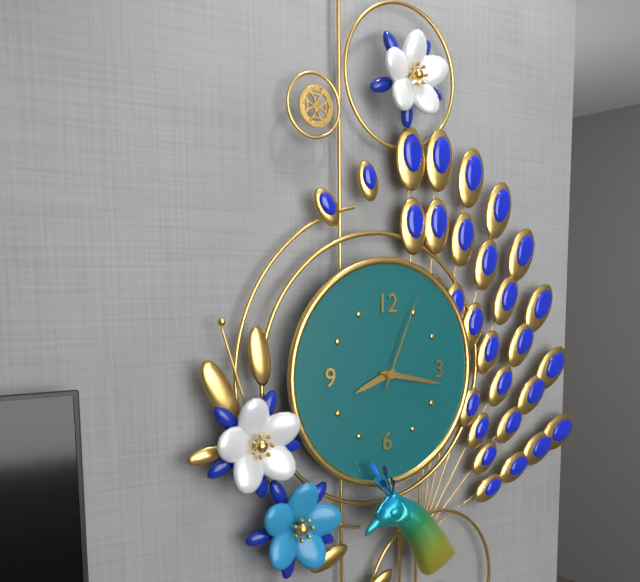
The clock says 8.17.04
